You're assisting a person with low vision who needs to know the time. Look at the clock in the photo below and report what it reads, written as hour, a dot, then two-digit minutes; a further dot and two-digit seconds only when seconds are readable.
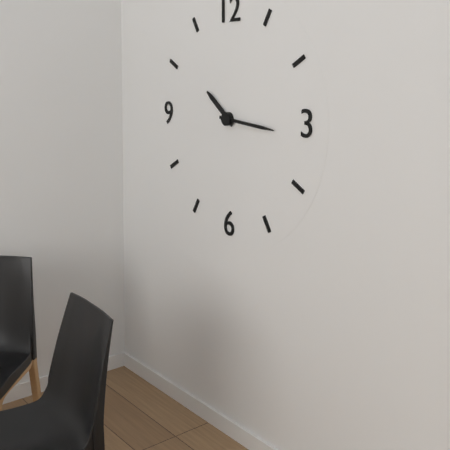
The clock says 10.16
